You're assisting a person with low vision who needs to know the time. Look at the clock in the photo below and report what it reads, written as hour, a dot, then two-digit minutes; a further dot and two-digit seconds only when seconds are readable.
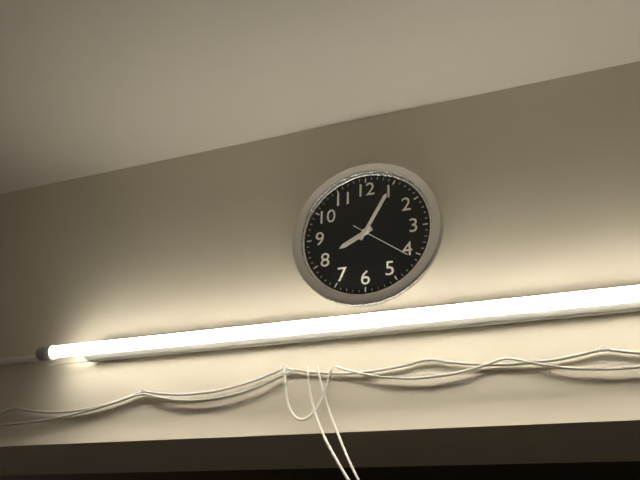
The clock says 8.05.21
